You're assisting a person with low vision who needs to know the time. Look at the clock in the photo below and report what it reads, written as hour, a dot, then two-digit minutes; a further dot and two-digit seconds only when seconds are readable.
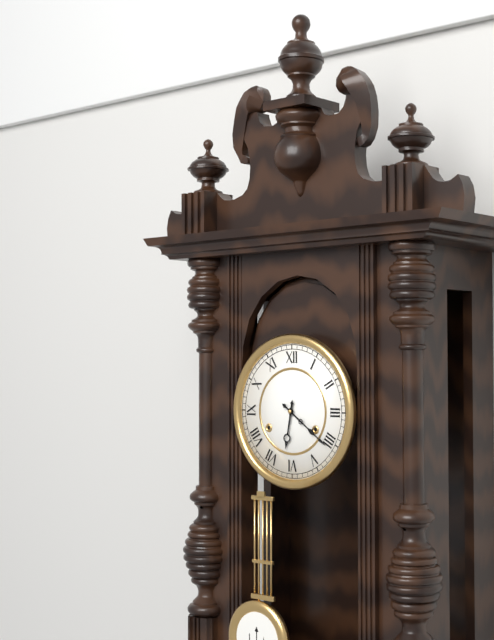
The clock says 6.21
